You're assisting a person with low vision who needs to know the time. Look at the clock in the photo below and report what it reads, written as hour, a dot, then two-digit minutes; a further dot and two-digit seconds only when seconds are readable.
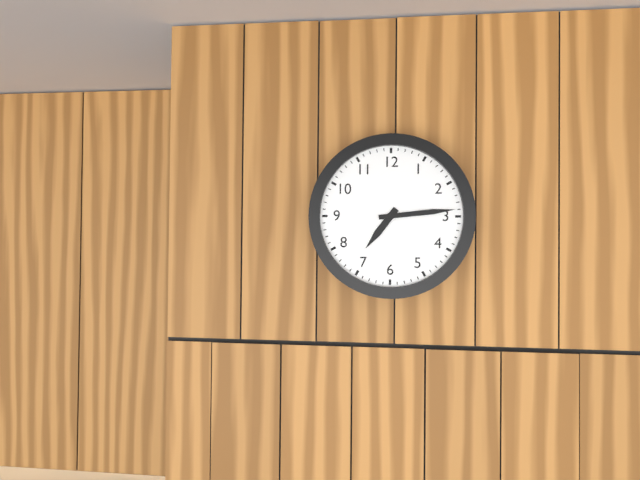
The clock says 7.14
